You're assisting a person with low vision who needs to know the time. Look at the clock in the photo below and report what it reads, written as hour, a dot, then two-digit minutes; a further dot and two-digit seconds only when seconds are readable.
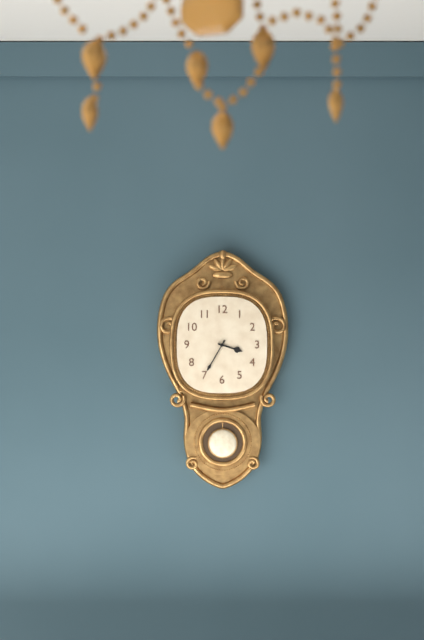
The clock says 3.35
